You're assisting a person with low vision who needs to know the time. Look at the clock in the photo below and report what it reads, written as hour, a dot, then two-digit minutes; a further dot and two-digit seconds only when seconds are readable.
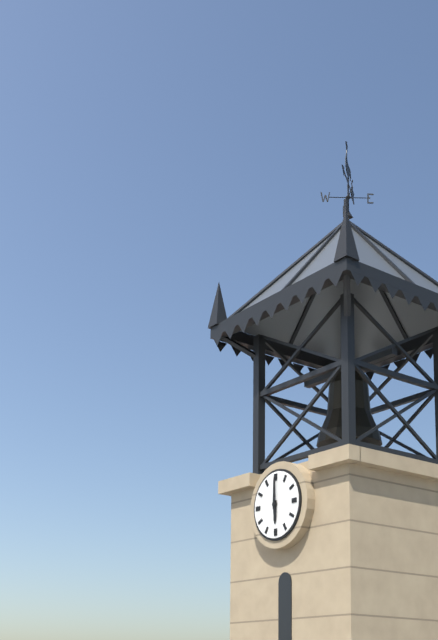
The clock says 6.00
